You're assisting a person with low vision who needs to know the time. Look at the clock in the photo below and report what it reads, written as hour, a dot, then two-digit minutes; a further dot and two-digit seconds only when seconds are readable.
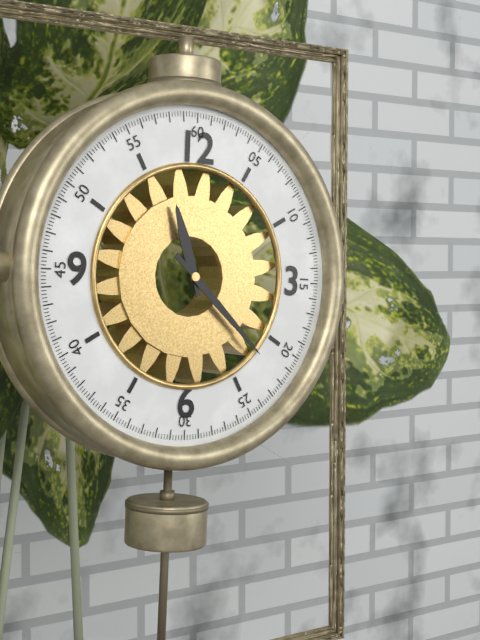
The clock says 11.22
